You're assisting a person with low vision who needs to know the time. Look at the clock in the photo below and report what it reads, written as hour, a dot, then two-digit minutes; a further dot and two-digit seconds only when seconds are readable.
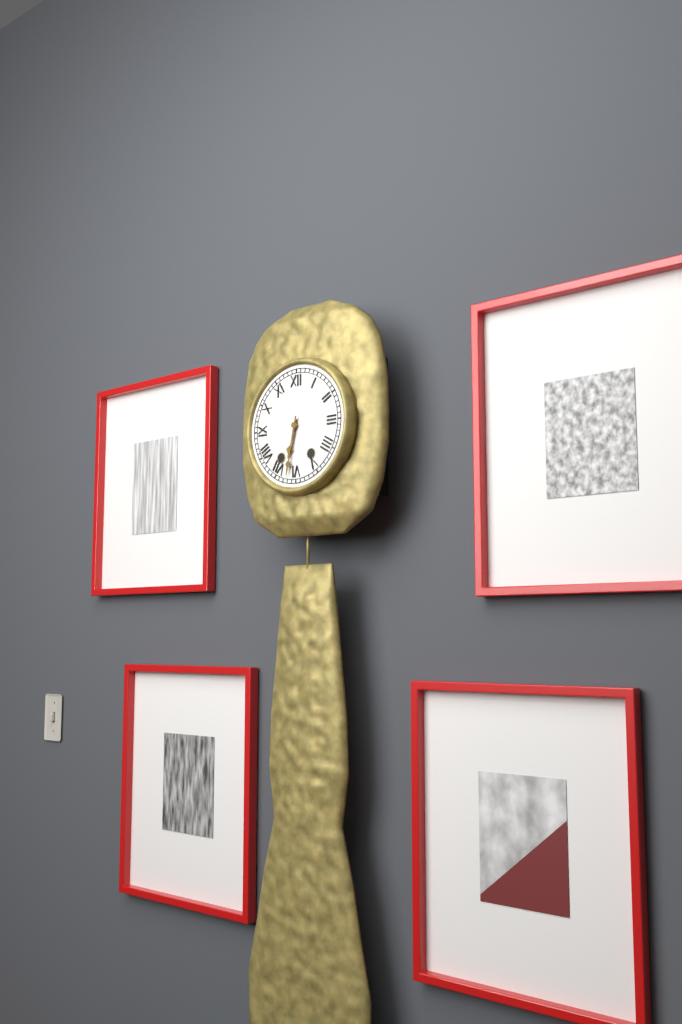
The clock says 6.32
